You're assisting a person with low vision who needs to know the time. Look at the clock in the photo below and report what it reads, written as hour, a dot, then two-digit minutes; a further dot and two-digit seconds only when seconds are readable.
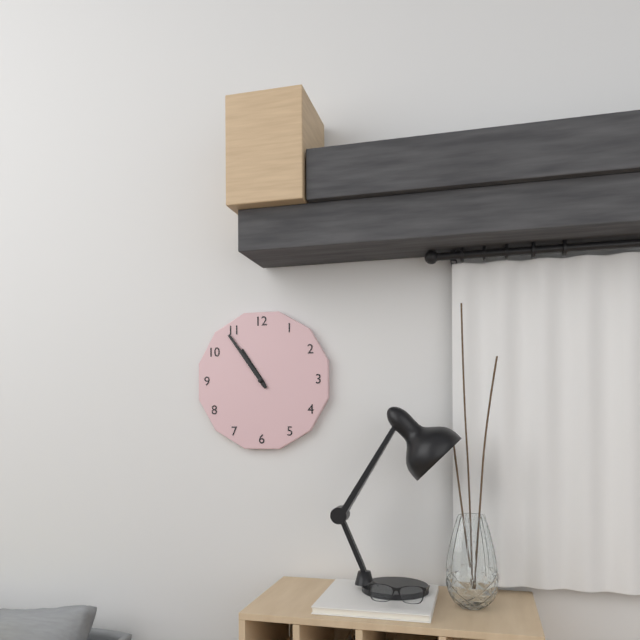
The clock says 10.54
